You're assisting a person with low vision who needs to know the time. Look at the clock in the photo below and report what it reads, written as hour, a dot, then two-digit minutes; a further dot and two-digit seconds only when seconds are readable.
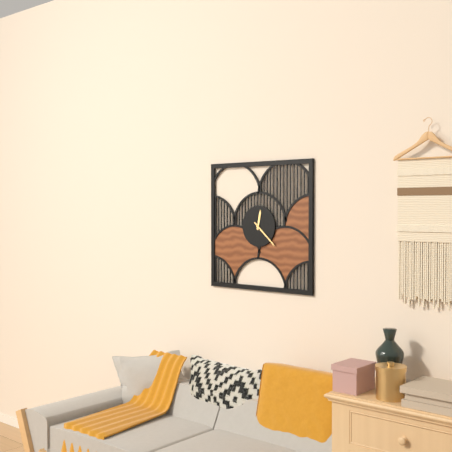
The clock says 12.22
